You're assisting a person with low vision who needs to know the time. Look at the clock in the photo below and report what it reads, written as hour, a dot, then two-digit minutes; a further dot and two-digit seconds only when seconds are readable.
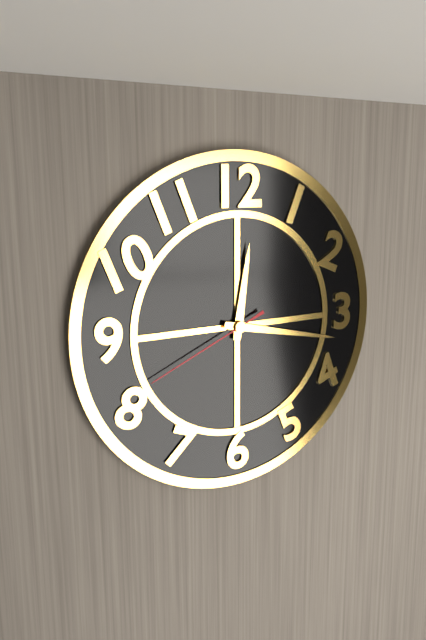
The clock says 12.17.41
